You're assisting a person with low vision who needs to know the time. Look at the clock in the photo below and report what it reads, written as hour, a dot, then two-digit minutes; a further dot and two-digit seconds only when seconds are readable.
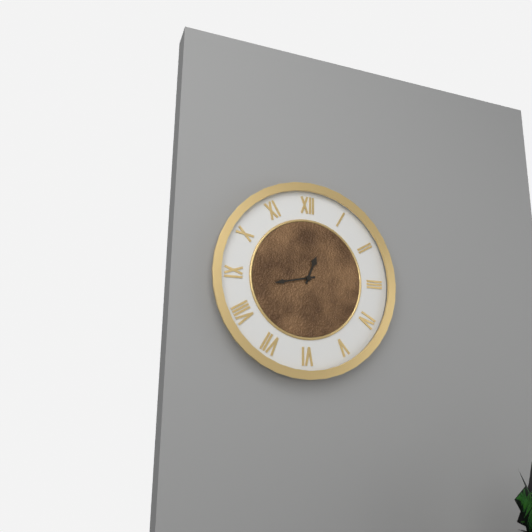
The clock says 12.43
